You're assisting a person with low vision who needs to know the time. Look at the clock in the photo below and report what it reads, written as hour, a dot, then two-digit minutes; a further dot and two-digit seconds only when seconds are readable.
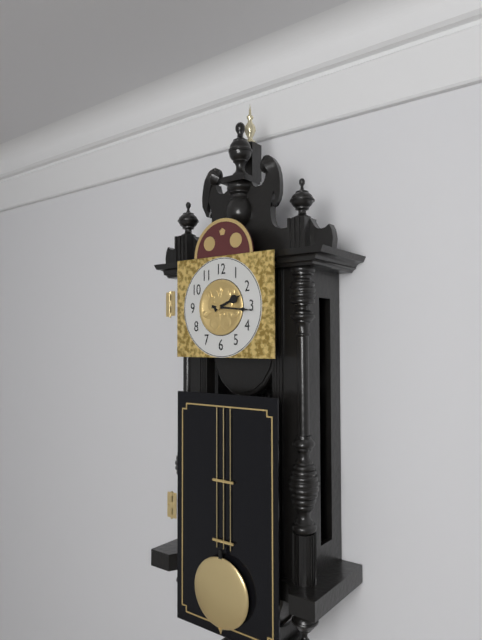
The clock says 2.16
